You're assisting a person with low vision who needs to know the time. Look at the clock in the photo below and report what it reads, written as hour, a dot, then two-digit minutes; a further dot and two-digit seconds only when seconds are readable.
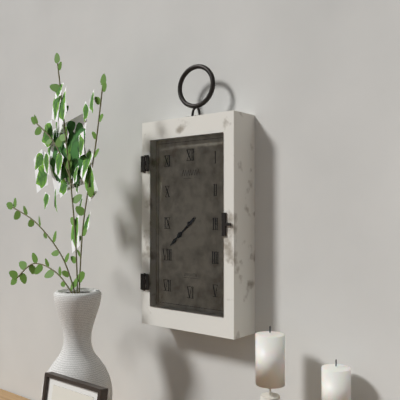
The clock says 7.38
